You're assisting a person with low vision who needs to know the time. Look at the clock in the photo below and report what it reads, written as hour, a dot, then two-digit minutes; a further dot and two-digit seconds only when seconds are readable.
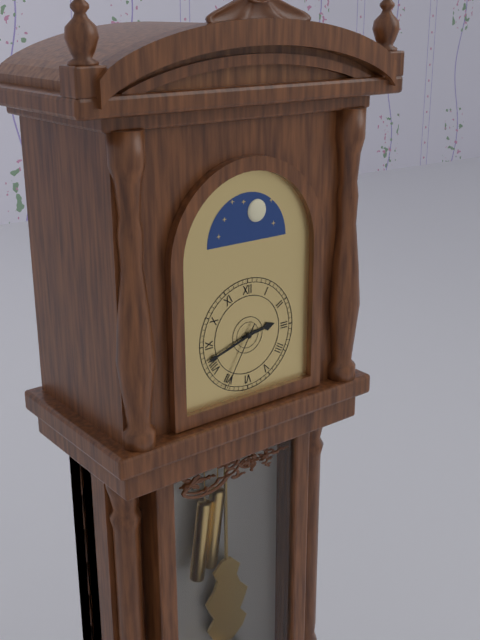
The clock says 2.42.35
